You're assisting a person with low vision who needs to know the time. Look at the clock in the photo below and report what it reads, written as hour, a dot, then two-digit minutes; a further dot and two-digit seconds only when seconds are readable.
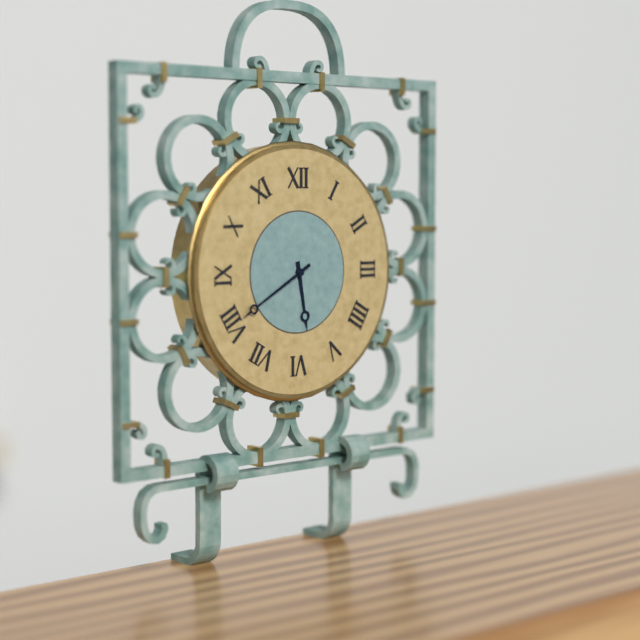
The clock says 5.40
